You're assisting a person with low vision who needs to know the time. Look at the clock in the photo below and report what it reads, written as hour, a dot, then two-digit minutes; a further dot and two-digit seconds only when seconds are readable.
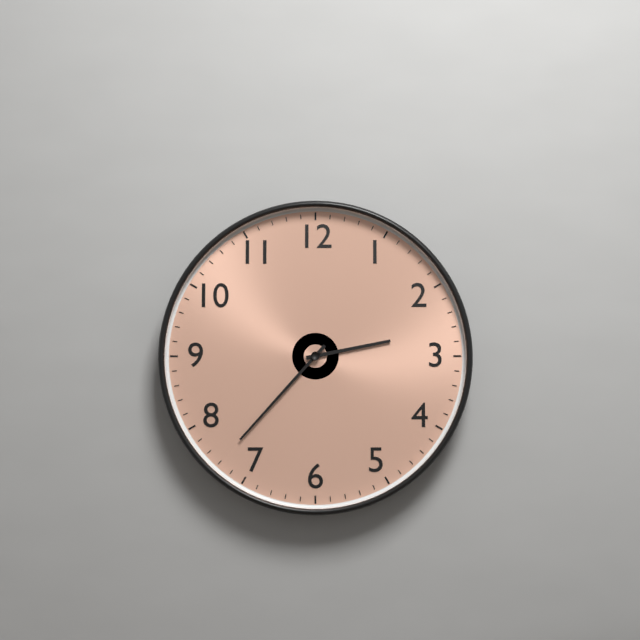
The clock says 2.37
